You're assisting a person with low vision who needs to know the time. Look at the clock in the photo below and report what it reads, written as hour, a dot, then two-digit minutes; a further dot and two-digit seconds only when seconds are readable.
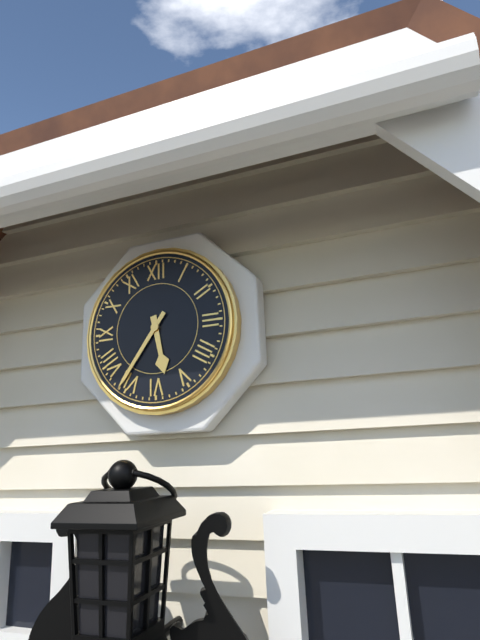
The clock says 5.36
